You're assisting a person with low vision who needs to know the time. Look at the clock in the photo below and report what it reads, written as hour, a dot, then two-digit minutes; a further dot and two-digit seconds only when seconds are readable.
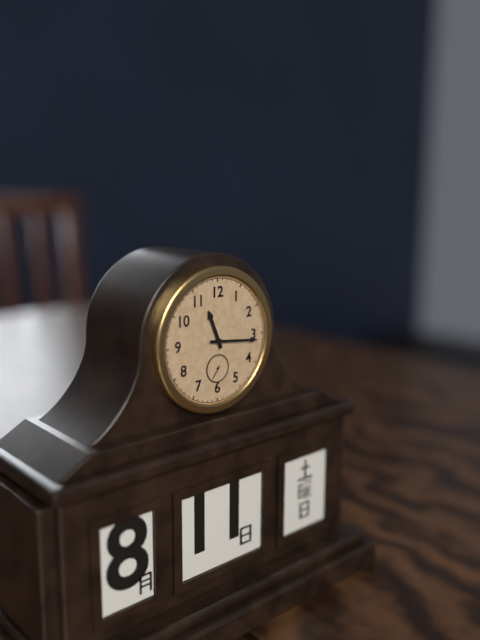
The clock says 11.16
